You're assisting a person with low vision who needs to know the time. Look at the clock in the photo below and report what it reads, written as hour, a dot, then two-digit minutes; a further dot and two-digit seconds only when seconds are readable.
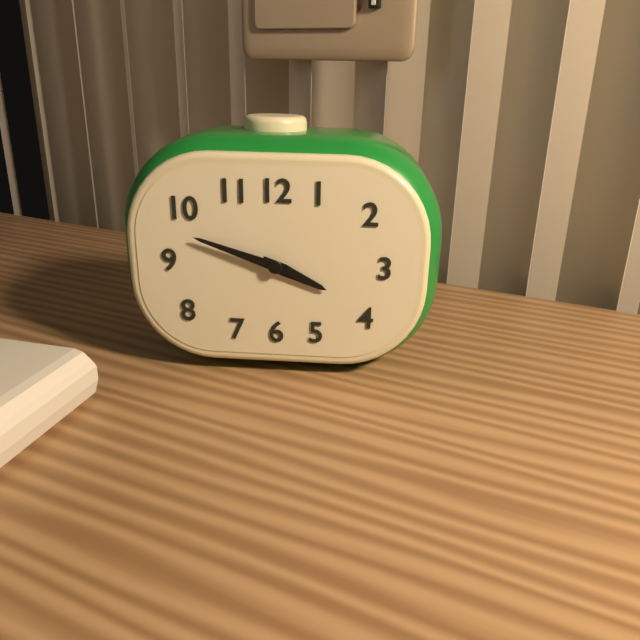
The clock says 3.48
